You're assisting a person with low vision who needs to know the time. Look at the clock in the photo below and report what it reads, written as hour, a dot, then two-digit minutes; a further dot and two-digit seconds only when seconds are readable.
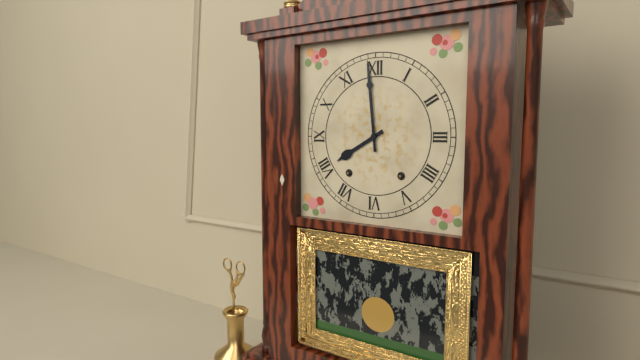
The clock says 7.59
